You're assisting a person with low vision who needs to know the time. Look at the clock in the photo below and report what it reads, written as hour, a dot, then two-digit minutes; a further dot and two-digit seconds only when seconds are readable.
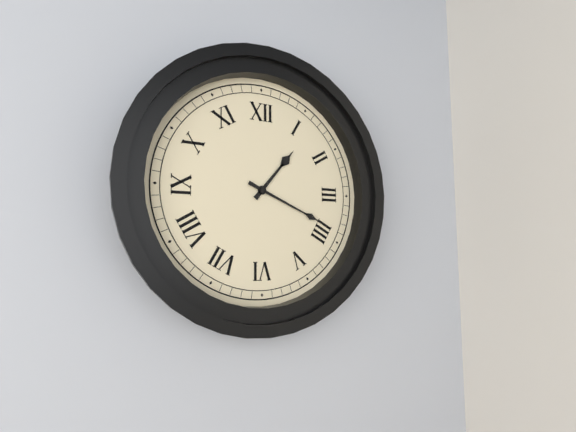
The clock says 1.19
